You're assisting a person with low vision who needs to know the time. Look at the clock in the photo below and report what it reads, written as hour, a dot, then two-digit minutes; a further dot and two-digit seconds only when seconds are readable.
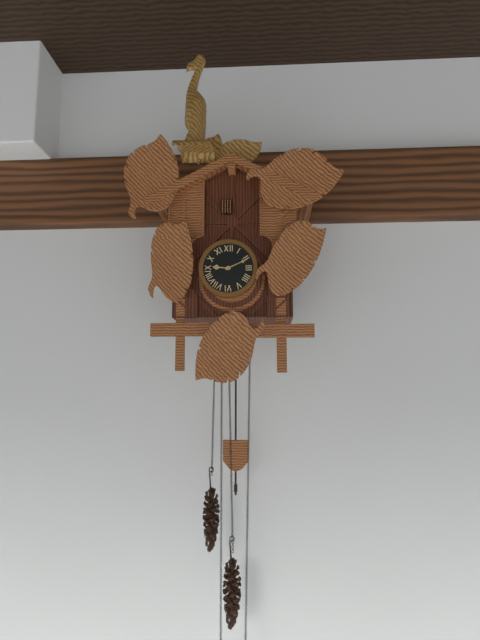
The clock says 9.11
